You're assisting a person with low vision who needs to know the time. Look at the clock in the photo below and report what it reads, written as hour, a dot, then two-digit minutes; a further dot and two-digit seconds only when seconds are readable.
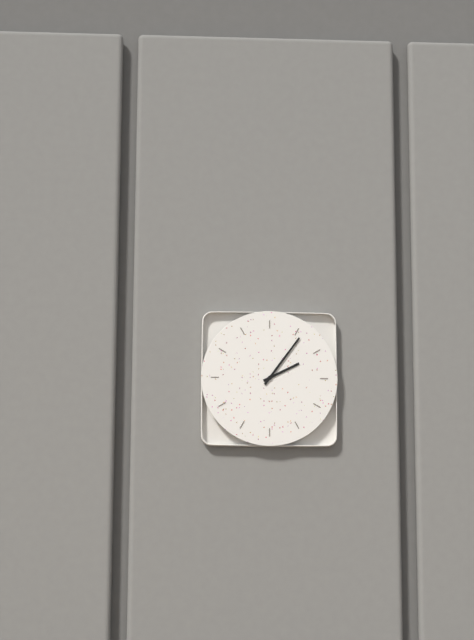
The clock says 2.06
